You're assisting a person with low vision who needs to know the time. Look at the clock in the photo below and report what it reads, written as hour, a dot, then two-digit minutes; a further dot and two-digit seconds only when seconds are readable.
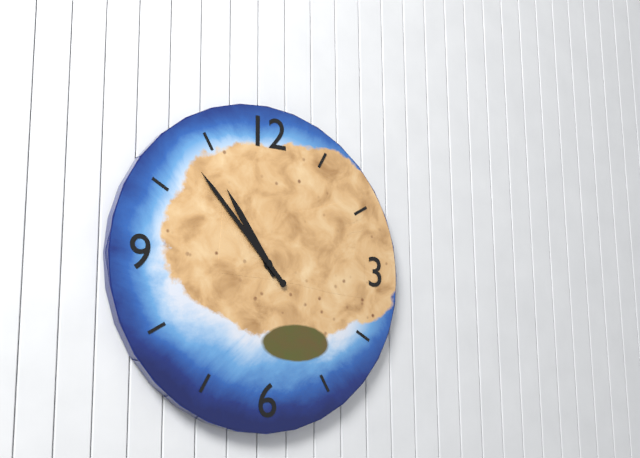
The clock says 10.53
